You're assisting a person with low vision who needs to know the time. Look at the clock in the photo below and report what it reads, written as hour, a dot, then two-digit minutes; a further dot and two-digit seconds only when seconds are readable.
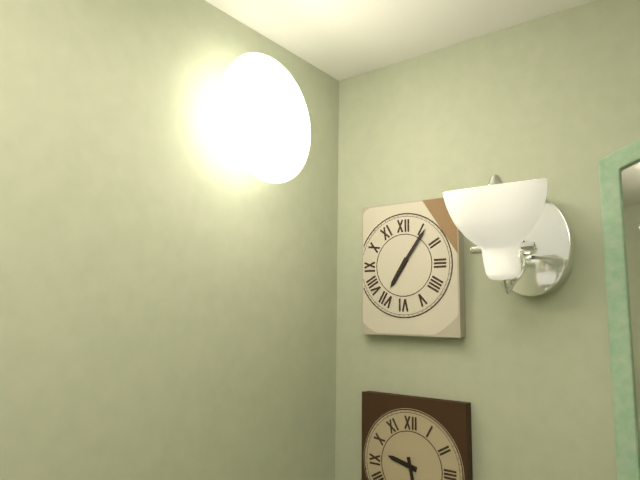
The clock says 7.06
